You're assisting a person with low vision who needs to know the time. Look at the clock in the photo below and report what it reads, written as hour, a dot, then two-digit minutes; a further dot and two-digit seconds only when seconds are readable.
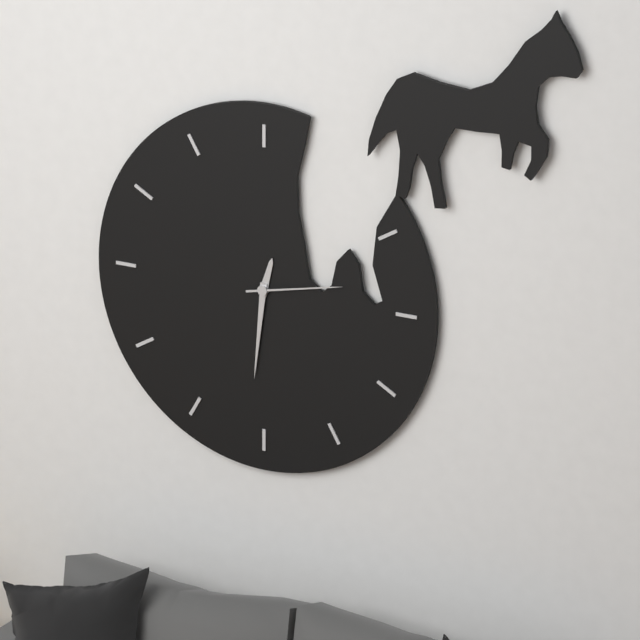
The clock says 12.31.13
